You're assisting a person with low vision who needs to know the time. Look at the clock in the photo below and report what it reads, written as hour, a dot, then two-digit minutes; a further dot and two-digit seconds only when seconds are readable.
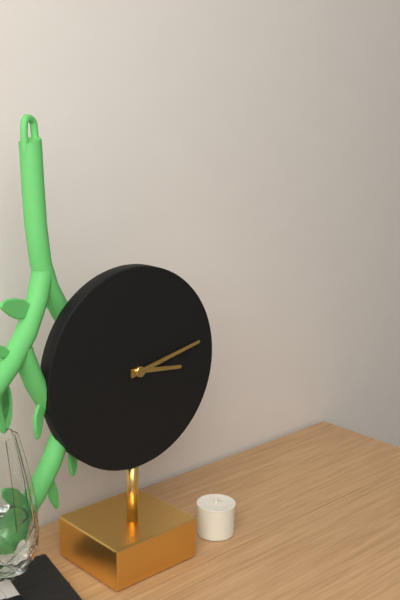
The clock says 3.13
